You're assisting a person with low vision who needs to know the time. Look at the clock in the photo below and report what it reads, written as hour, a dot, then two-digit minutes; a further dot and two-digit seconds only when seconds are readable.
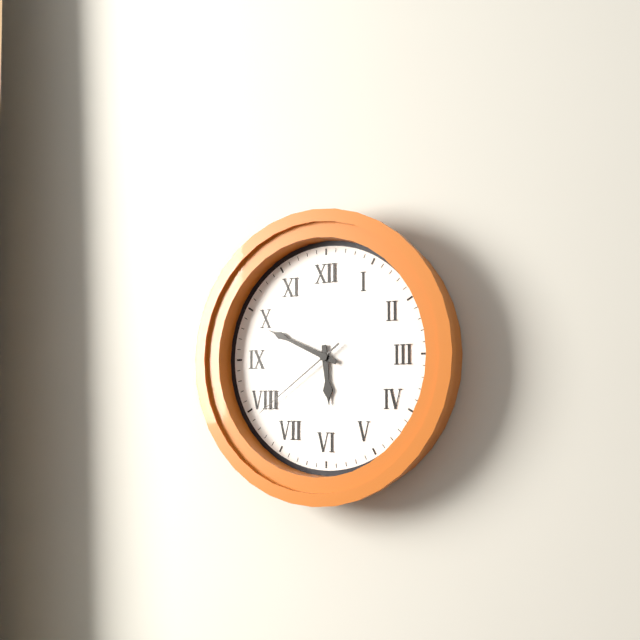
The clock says 5.49.39
